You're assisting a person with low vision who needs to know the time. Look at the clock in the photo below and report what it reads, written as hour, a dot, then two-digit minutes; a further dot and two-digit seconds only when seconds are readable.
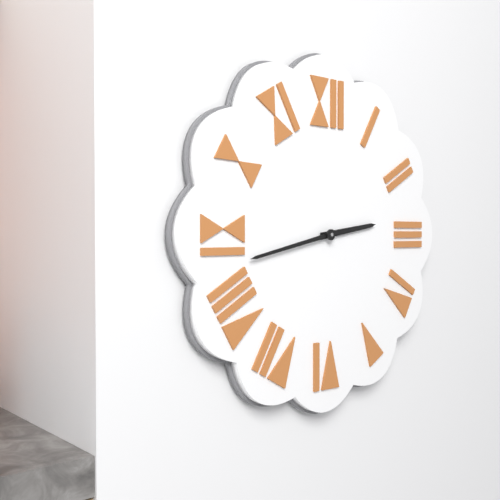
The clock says 2.43
